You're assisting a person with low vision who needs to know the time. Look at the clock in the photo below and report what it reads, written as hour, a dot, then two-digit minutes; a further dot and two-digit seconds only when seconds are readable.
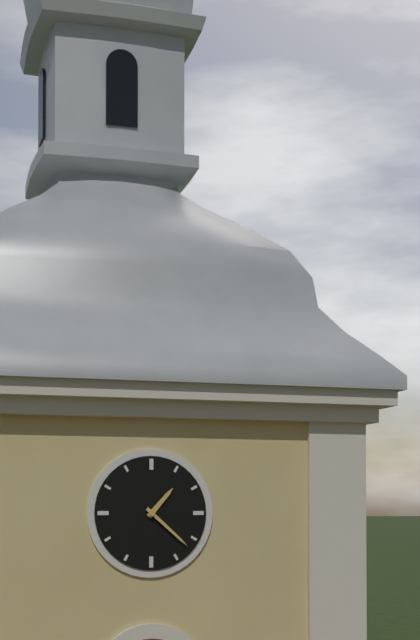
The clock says 1.22
